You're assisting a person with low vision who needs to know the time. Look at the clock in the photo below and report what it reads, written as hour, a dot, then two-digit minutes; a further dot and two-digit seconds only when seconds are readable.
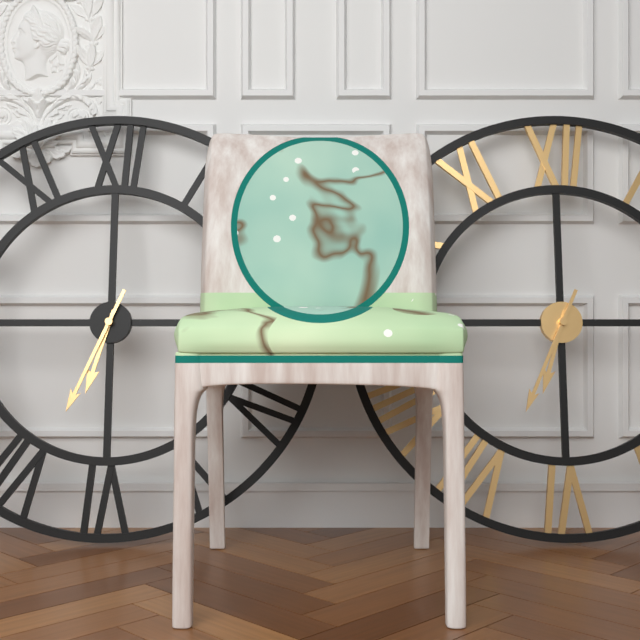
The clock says 6.34
